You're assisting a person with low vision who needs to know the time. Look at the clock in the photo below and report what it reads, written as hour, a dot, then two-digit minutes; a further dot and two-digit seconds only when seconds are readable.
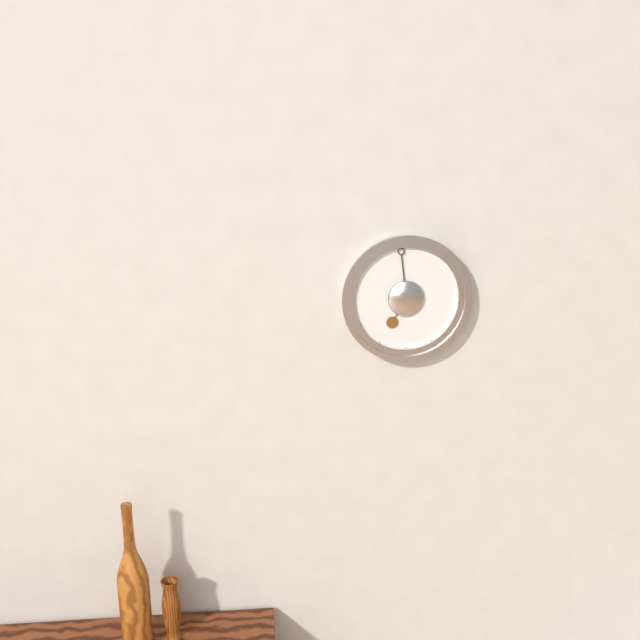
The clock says 6.59
